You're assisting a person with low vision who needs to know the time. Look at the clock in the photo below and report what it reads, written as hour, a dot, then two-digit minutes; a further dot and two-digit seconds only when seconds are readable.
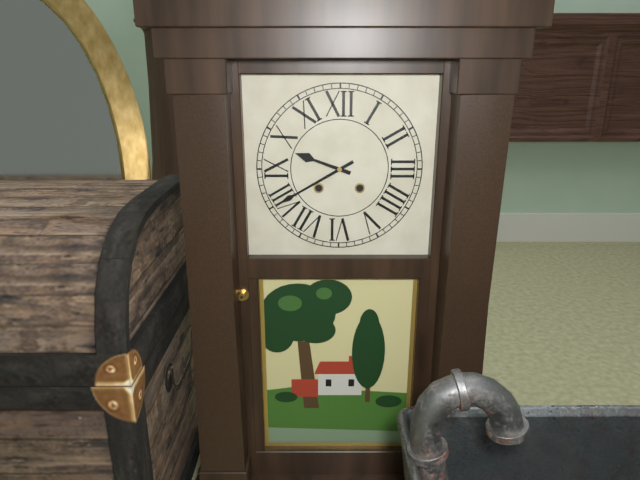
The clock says 9.40
